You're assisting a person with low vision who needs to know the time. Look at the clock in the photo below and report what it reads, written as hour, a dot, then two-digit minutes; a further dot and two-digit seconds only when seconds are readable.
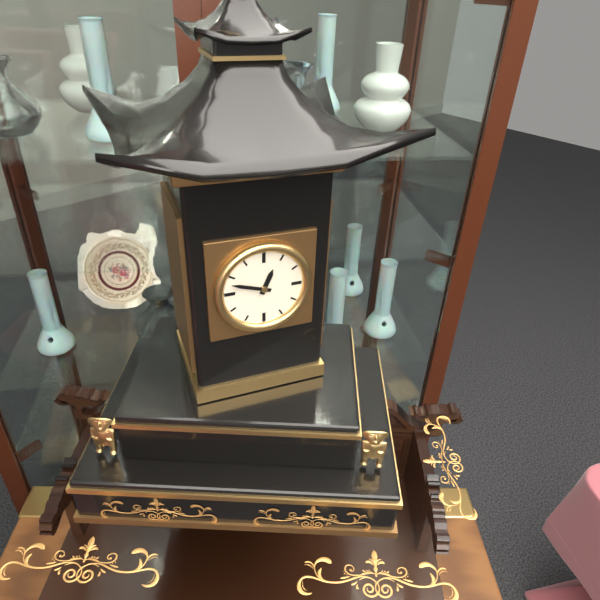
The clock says 12.48
